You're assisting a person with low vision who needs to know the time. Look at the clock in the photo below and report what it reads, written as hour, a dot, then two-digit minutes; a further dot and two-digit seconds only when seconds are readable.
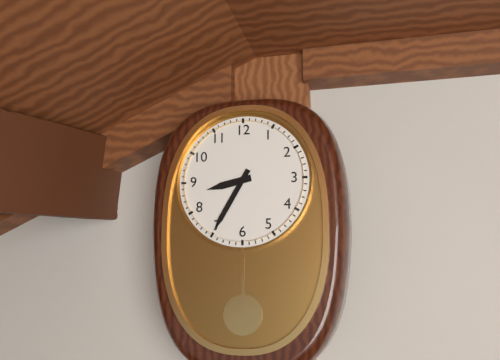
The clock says 8.35
